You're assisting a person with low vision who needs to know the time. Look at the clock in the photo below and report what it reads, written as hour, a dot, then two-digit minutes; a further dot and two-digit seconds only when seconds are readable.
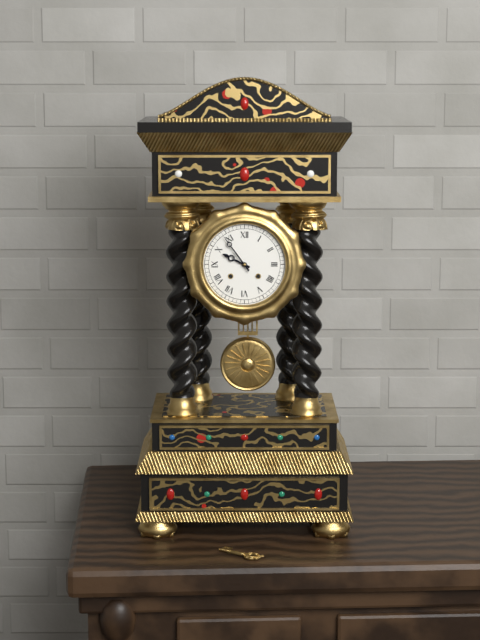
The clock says 9.54
